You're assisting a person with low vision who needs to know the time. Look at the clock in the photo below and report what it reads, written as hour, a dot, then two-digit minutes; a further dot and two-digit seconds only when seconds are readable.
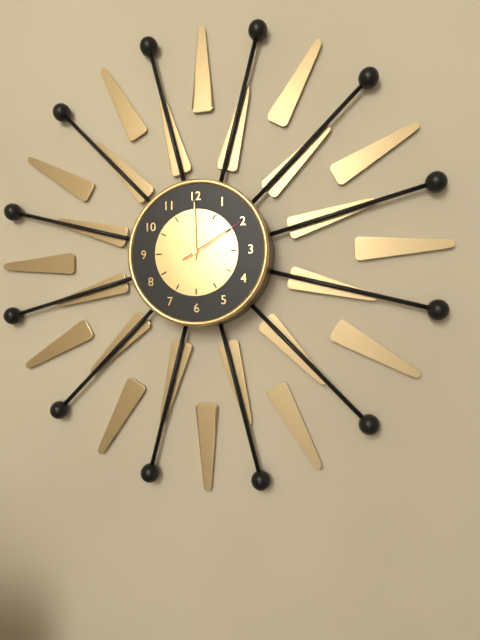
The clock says 10.00.10
